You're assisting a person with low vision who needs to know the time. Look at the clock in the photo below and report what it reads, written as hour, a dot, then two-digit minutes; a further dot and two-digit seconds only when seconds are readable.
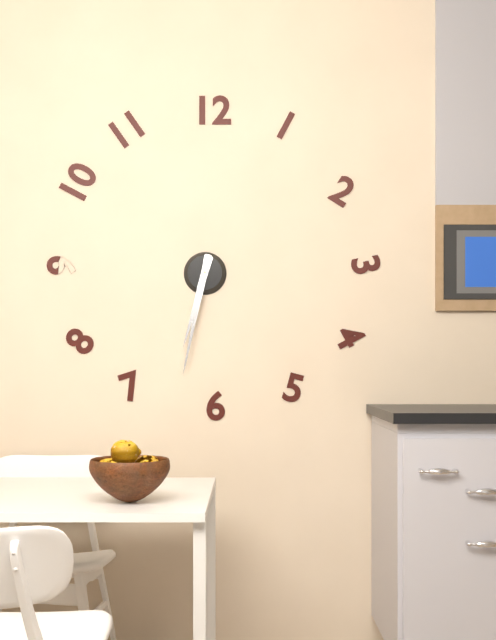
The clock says 6.32
